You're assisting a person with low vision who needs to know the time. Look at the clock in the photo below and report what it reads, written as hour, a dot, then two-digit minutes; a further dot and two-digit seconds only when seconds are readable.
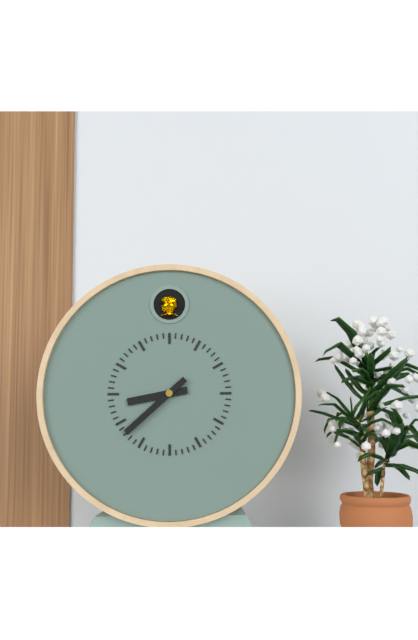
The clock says 8.38
